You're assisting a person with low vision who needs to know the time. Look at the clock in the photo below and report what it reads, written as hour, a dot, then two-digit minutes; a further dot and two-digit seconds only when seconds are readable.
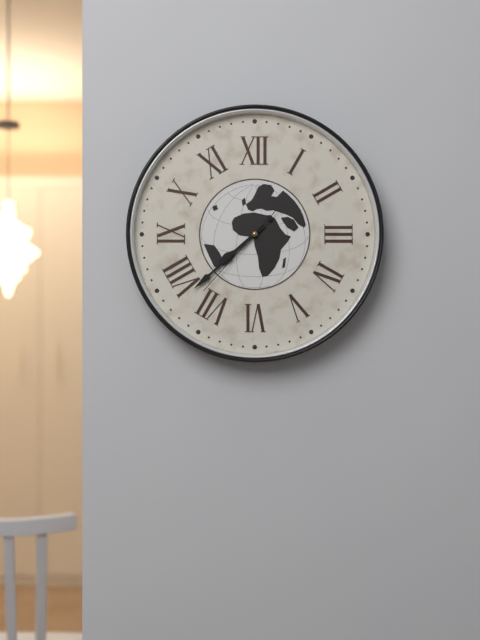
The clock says 7.38.37
